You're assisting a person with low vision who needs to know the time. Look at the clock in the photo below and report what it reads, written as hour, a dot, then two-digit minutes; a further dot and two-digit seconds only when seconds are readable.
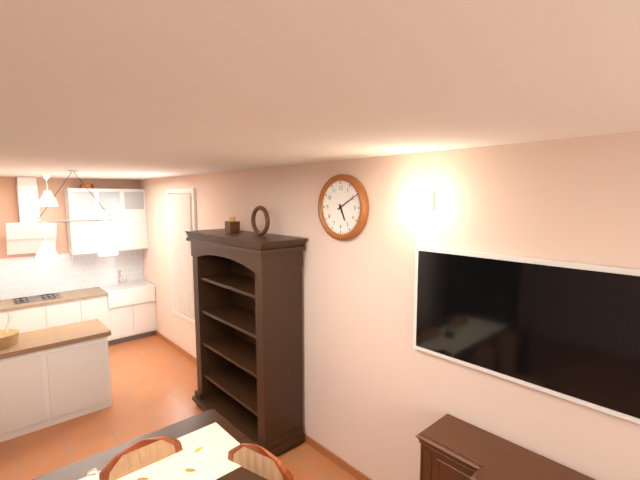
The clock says 5.10
